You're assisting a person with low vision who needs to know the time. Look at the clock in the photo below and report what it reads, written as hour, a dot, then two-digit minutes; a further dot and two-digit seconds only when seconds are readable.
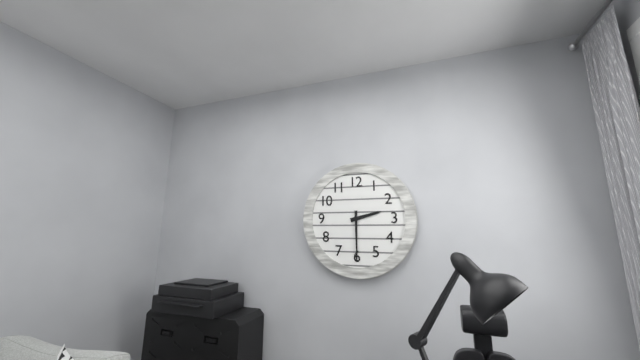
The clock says 2.30
